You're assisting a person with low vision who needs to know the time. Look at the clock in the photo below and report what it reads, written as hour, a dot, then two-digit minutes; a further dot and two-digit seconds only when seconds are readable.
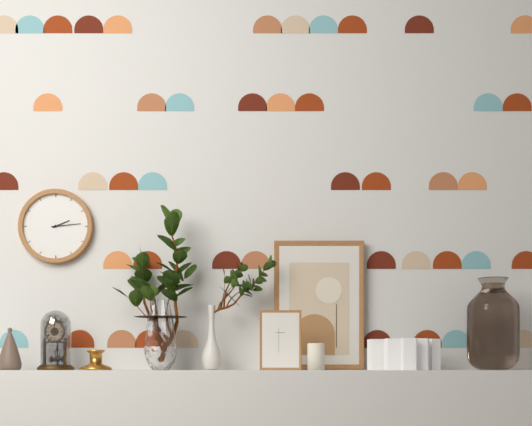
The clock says 2.14
